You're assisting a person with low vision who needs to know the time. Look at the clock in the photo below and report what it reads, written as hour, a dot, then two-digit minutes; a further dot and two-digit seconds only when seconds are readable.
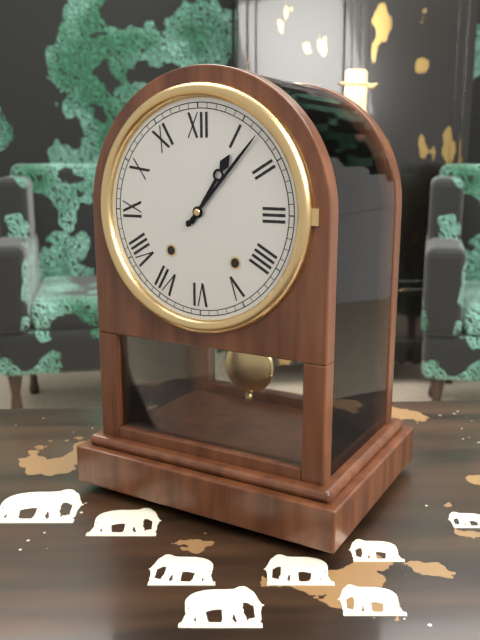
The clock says 1.07
